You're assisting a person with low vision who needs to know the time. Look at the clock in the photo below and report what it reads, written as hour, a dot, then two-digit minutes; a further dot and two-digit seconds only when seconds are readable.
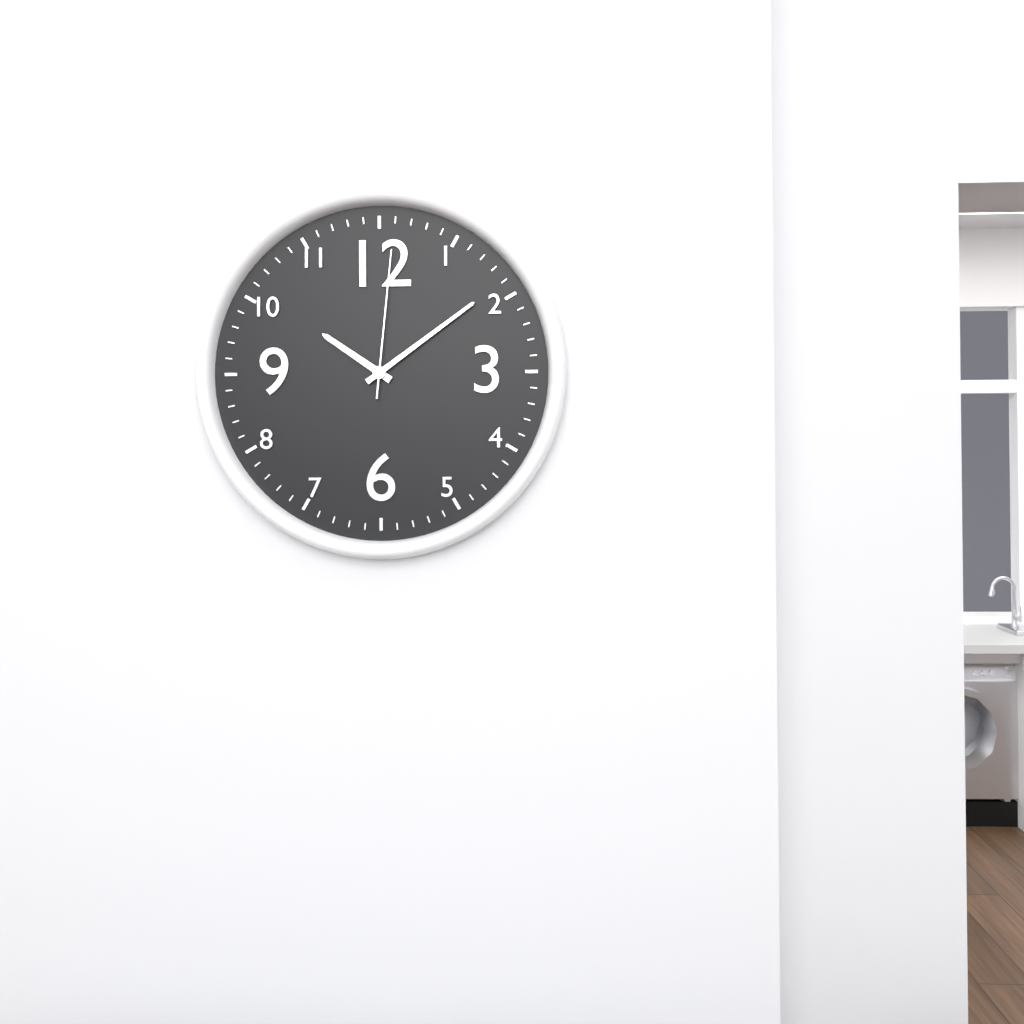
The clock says 10.09.01
